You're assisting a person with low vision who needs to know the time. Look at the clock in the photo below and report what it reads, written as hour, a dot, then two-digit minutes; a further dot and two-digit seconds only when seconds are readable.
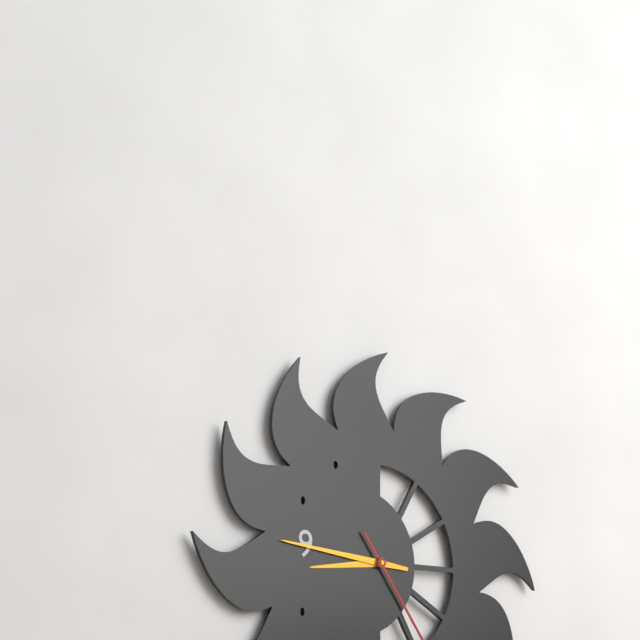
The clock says 8.46
